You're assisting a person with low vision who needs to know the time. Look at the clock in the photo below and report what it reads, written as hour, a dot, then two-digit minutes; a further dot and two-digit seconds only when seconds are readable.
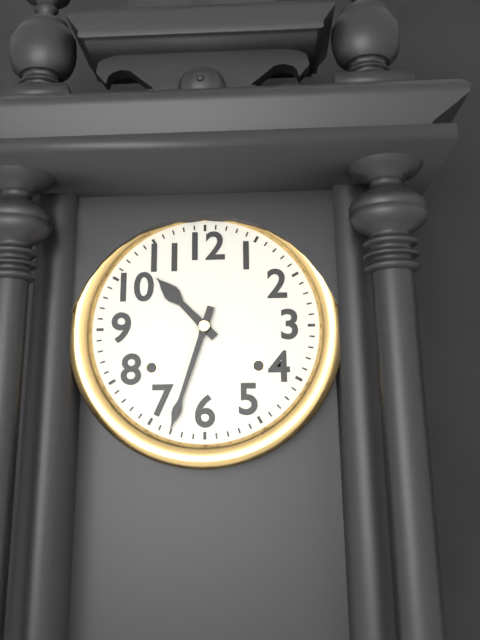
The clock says 10.33
